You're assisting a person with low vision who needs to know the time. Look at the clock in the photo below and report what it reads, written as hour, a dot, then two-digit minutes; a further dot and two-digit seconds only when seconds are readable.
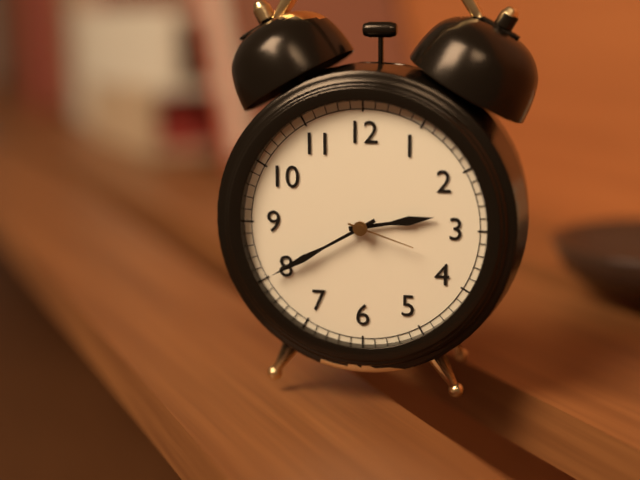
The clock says 2.40.18
